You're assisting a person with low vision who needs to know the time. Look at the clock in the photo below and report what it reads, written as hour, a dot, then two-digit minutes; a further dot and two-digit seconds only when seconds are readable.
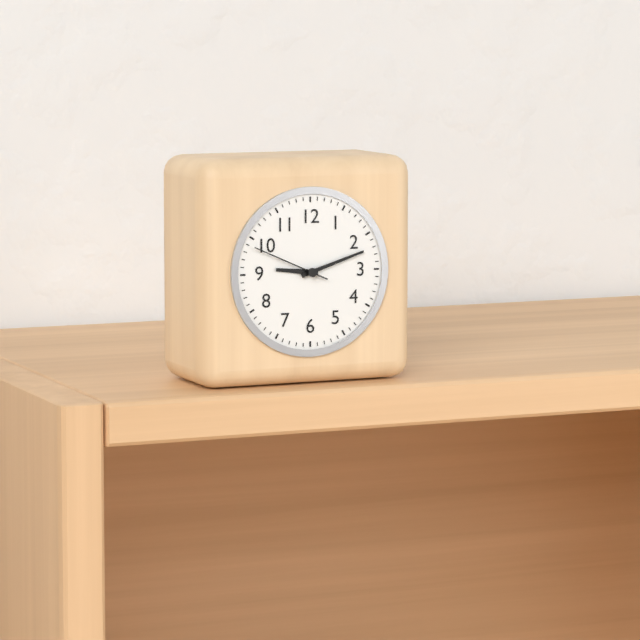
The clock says 9.12.49
